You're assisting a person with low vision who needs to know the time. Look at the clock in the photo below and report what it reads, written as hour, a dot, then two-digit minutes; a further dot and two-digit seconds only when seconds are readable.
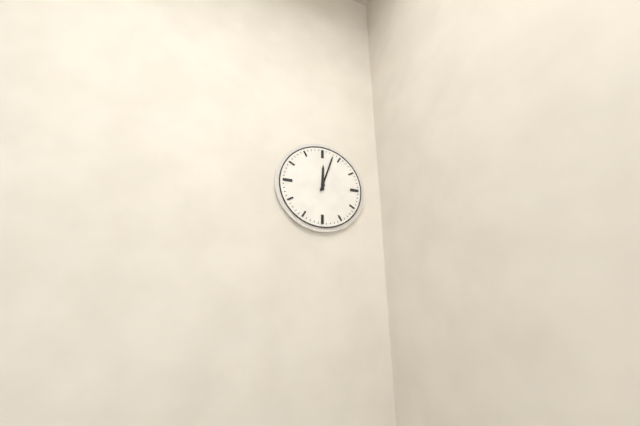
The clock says 12.03
